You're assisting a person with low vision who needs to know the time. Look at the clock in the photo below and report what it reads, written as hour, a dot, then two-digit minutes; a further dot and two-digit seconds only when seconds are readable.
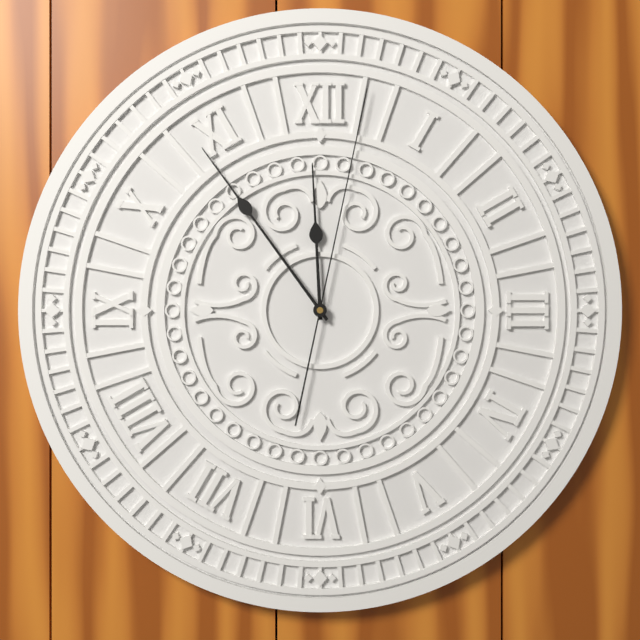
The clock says 11.54.02
